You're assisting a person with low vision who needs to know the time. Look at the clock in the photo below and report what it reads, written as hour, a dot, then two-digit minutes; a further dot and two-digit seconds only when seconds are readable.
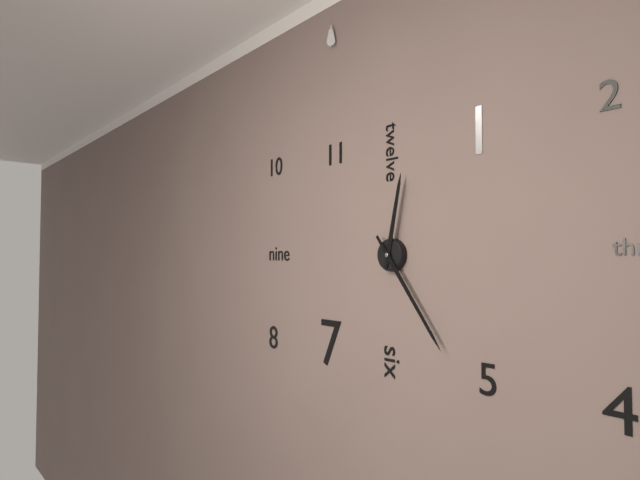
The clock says 12.24
